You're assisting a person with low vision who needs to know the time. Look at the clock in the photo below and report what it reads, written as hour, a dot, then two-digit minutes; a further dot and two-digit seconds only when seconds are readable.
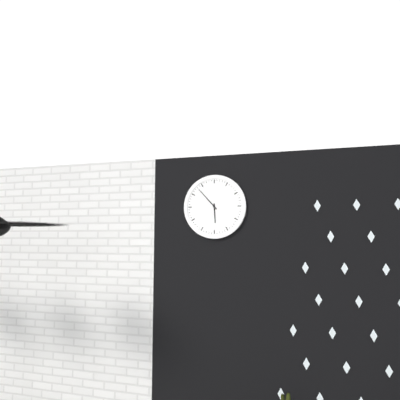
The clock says 5.53
